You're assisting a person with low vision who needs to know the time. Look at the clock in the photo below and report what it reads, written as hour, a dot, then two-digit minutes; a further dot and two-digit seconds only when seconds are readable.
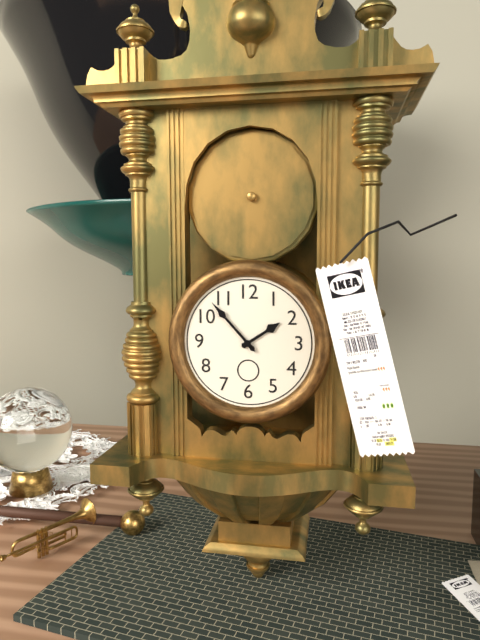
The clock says 1.53
